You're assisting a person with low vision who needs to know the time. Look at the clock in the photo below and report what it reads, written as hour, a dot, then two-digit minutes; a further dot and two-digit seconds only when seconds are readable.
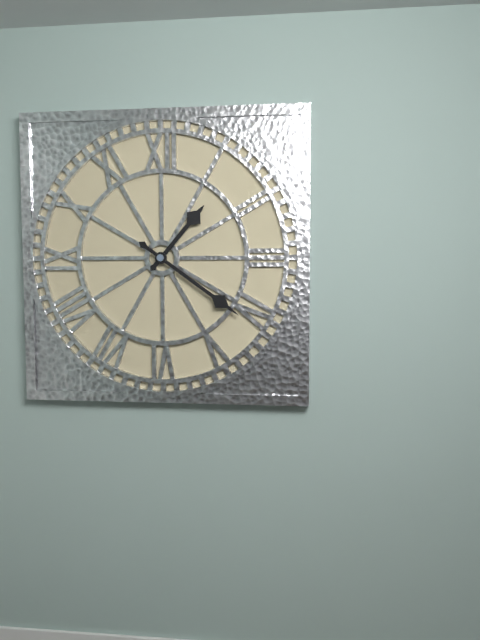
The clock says 1.21
